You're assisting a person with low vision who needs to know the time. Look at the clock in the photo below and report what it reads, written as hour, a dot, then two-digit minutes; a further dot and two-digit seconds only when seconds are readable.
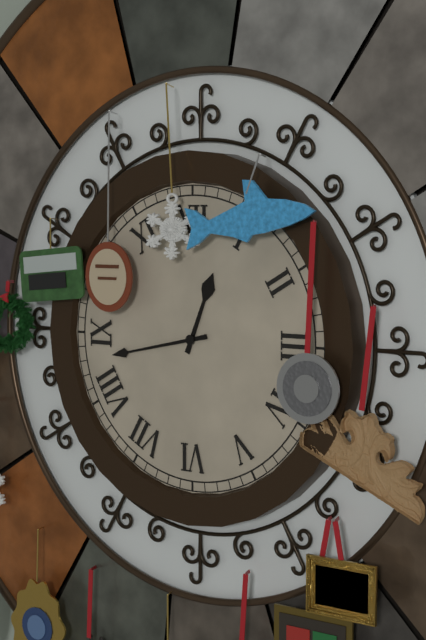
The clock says 12.43
